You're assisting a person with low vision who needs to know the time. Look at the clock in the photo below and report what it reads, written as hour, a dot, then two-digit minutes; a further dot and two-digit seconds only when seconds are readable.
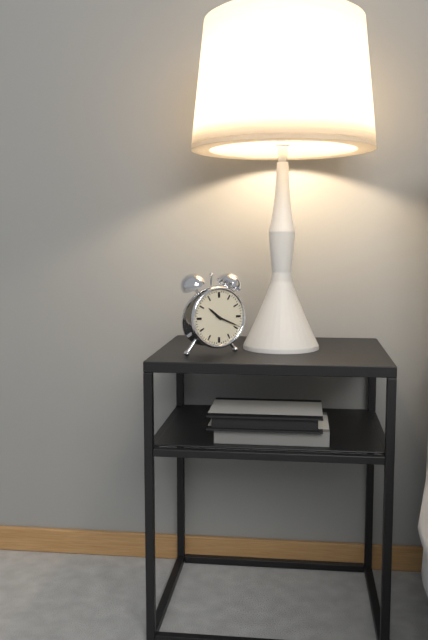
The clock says 10.19
